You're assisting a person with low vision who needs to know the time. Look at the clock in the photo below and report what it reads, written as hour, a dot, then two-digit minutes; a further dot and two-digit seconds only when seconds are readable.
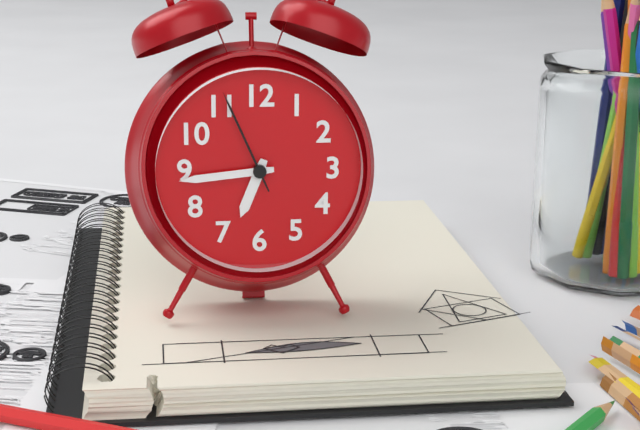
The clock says 6.44.56
